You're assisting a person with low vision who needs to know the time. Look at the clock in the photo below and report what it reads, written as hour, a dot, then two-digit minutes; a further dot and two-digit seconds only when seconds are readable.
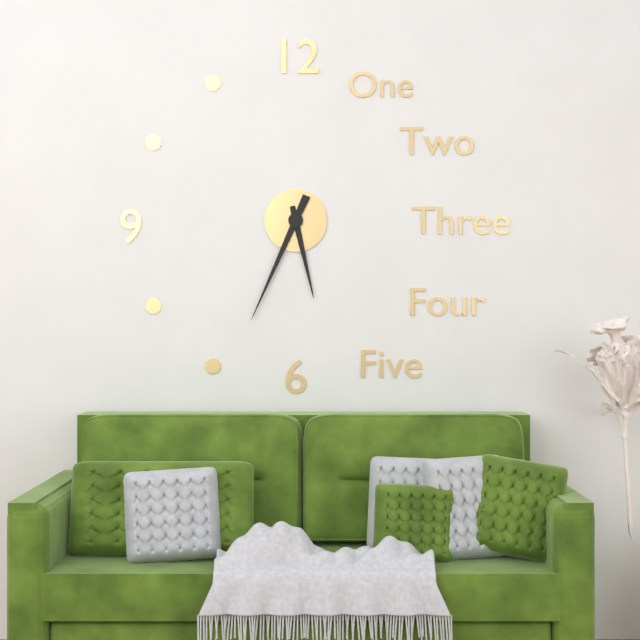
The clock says 5.34
